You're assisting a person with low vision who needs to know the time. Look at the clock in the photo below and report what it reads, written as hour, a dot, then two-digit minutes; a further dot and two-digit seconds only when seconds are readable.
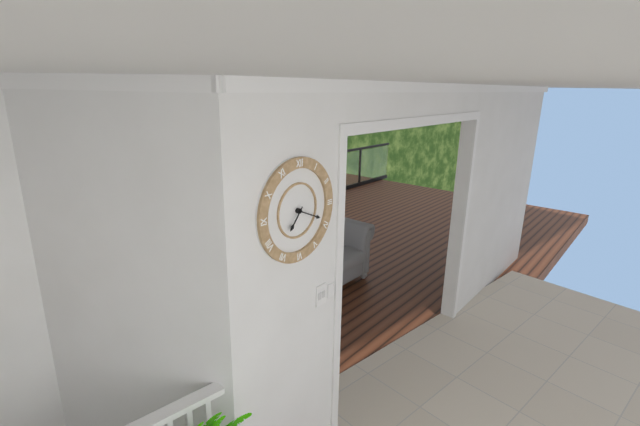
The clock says 7.19
